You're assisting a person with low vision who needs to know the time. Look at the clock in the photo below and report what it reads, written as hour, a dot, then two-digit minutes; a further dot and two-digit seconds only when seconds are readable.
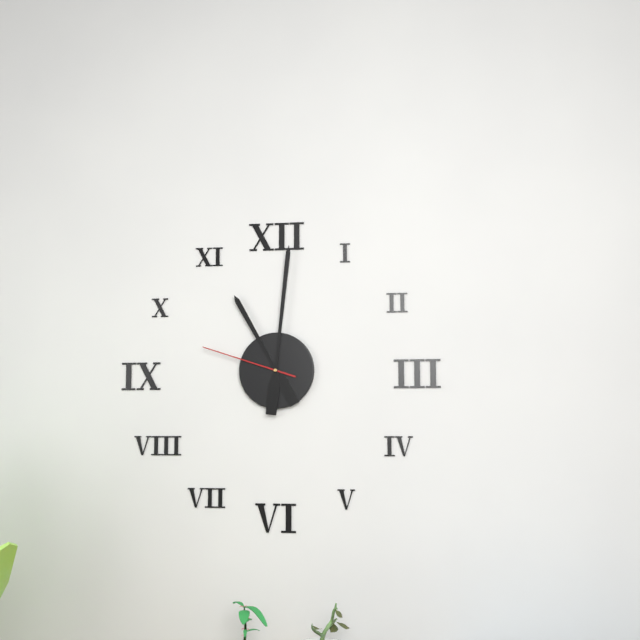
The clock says 11.01.48
